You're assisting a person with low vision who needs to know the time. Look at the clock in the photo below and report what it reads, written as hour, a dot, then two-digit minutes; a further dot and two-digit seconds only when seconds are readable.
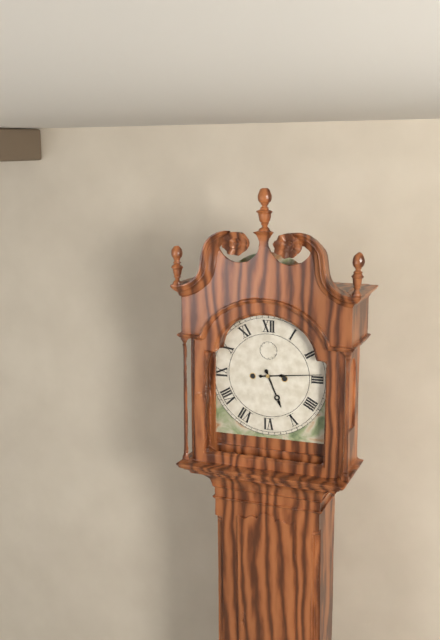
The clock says 5.14
